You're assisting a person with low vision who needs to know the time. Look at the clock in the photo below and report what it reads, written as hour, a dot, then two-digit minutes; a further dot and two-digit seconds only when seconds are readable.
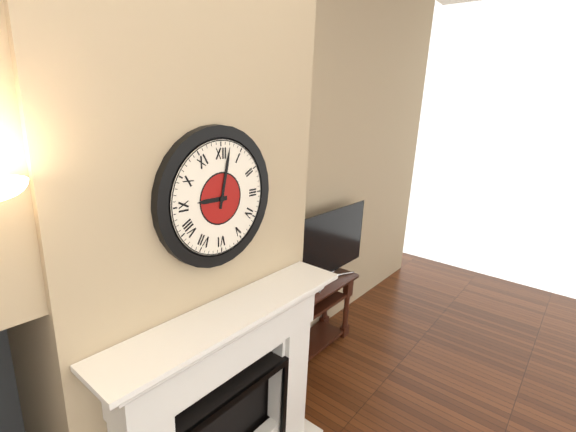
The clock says 9.02
